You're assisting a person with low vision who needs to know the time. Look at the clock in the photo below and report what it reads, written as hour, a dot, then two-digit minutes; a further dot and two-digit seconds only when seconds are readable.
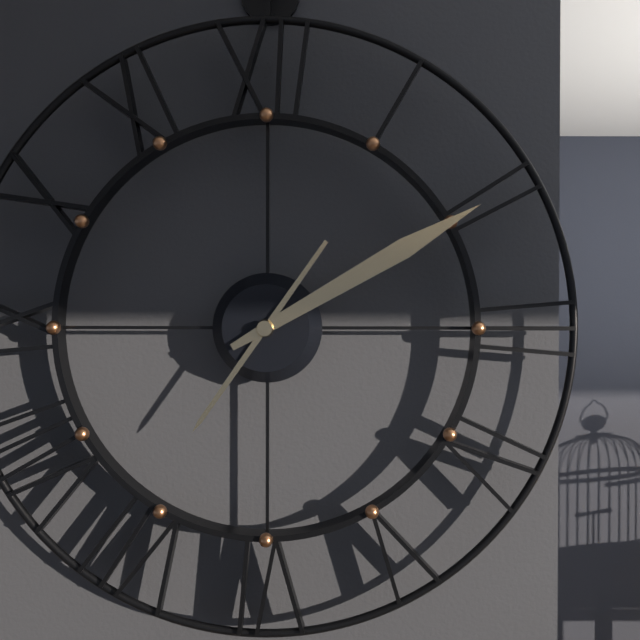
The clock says 7.10
